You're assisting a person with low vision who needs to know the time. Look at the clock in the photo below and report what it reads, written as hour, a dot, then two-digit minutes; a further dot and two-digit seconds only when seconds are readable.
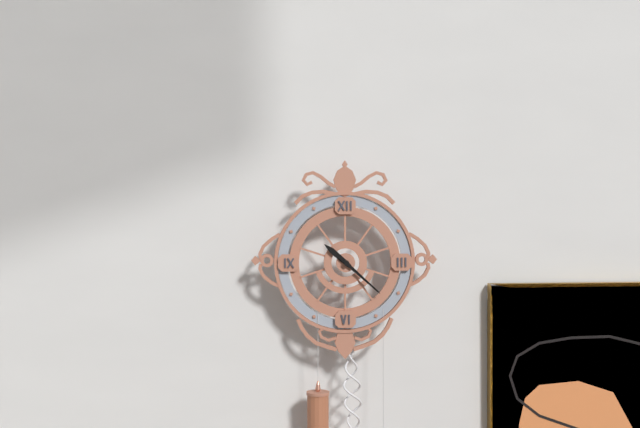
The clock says 10.22
